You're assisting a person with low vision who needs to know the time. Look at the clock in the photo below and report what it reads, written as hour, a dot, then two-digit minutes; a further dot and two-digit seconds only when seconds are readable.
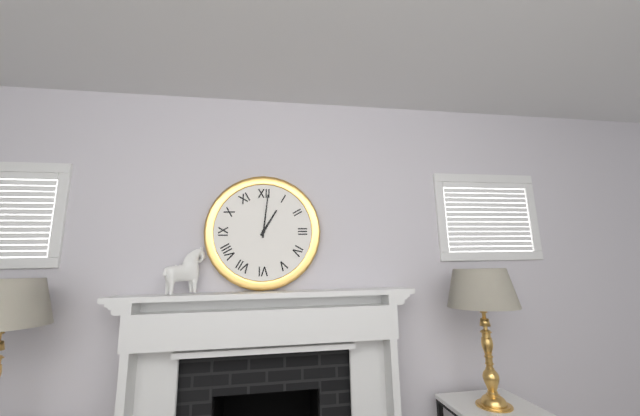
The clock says 1.01
